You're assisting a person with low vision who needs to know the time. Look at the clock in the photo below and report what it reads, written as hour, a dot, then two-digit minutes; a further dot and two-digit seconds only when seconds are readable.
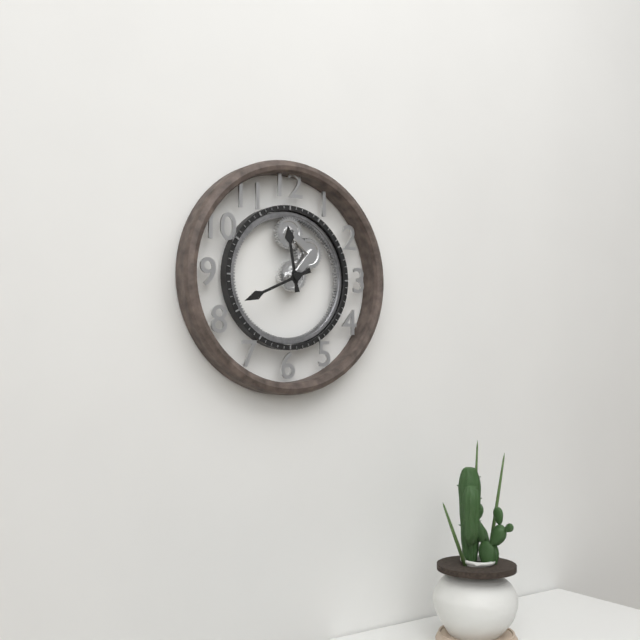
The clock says 11.41
